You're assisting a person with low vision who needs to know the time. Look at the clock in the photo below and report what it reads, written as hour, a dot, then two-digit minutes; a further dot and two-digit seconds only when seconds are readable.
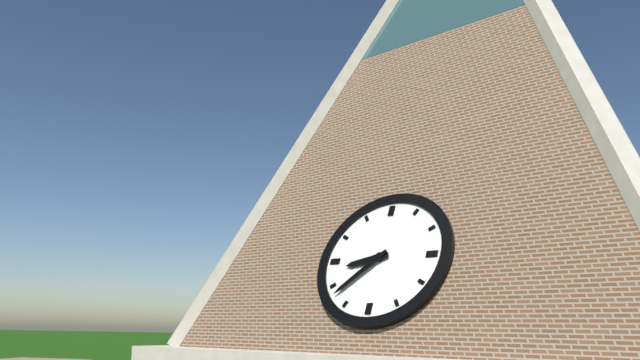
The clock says 8.38
